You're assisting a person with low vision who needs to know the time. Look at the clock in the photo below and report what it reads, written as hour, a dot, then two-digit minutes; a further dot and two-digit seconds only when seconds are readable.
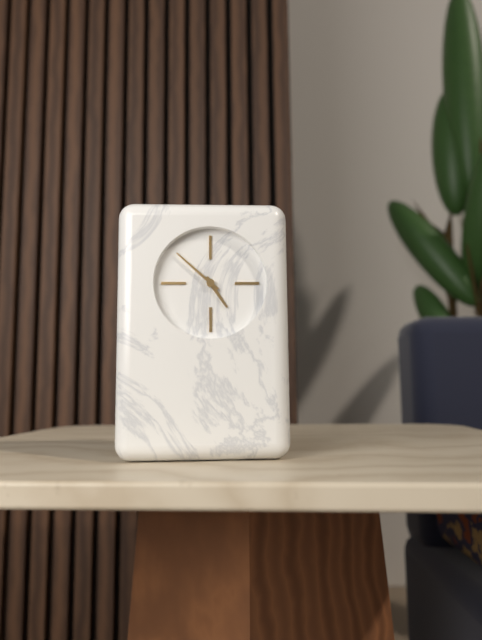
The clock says 4.52
